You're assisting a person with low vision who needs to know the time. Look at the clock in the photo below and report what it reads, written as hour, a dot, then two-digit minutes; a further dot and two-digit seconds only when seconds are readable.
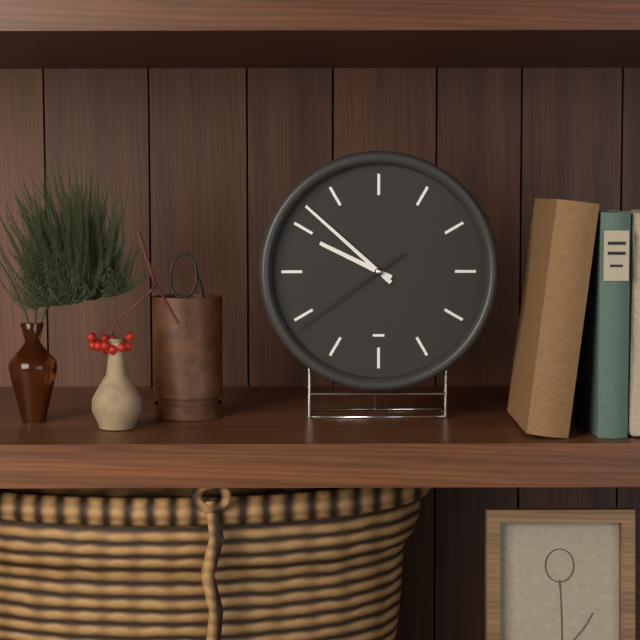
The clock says 9.52.39
